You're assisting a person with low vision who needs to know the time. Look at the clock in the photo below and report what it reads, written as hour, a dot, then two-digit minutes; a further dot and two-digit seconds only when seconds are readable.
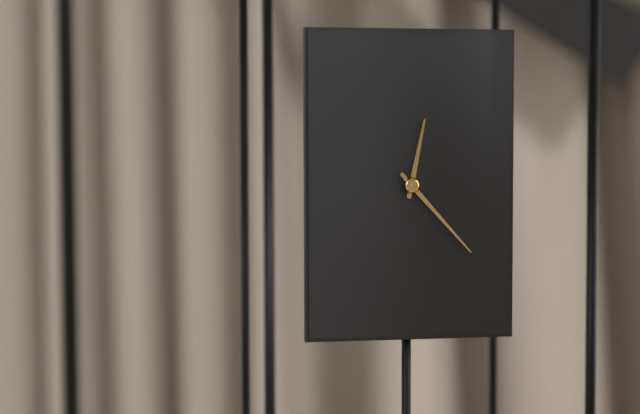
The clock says 12.23
